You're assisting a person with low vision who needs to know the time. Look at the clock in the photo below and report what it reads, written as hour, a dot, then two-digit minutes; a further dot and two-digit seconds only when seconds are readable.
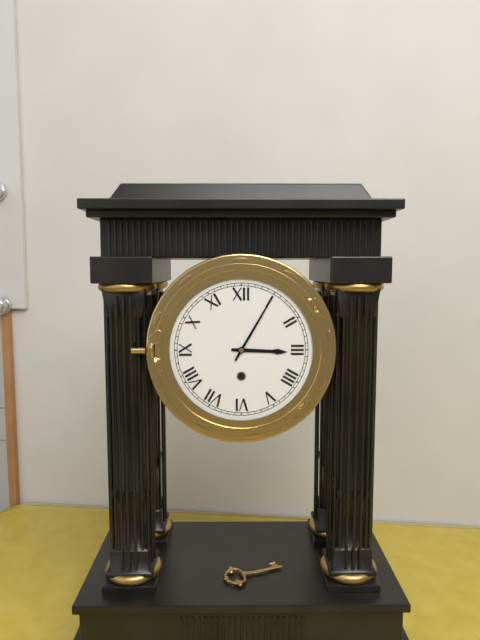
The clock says 3.05
